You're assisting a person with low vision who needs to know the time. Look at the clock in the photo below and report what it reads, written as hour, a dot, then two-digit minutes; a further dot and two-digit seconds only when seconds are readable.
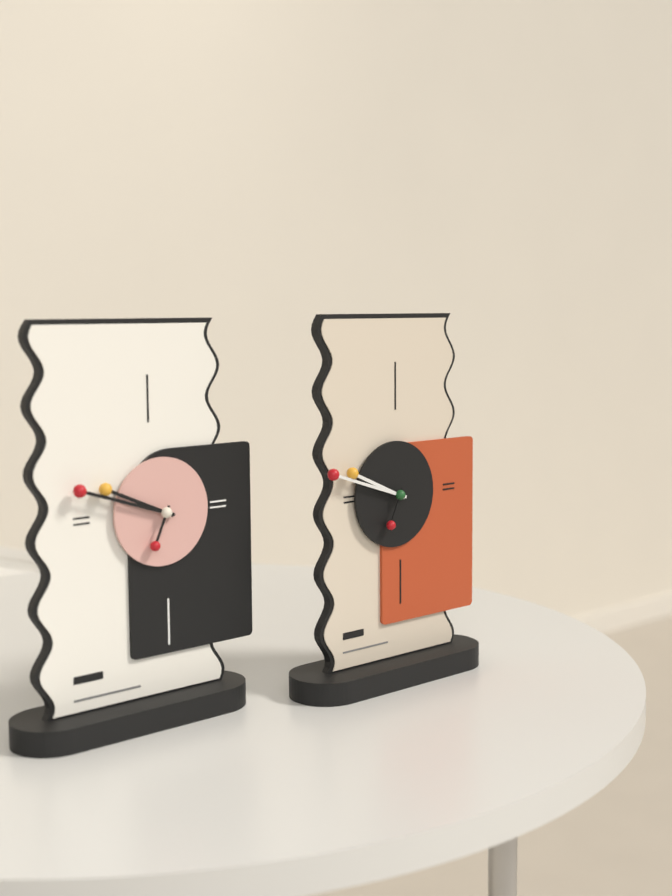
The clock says 9.48
